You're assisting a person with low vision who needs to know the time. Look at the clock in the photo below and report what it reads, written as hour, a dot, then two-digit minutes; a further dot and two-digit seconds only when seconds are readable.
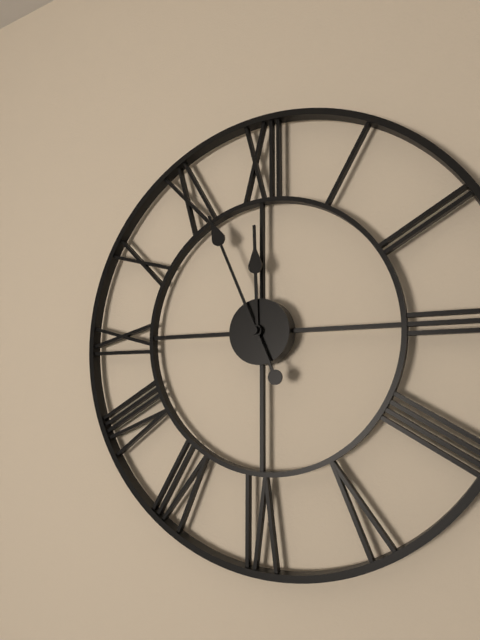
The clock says 11.56
